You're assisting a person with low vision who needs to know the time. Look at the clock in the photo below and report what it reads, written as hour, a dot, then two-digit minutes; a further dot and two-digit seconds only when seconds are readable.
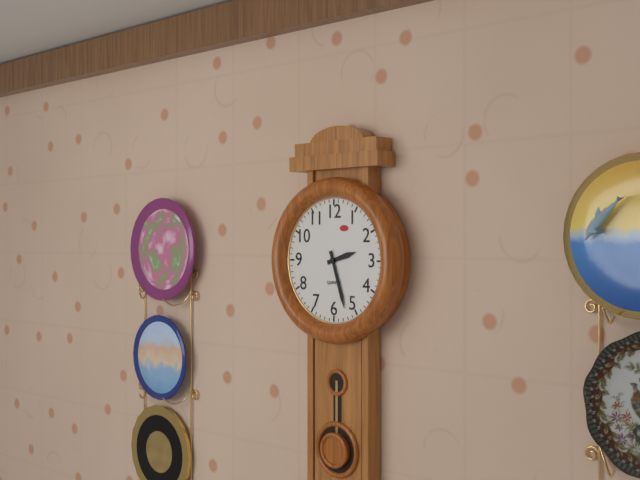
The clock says 2.27
